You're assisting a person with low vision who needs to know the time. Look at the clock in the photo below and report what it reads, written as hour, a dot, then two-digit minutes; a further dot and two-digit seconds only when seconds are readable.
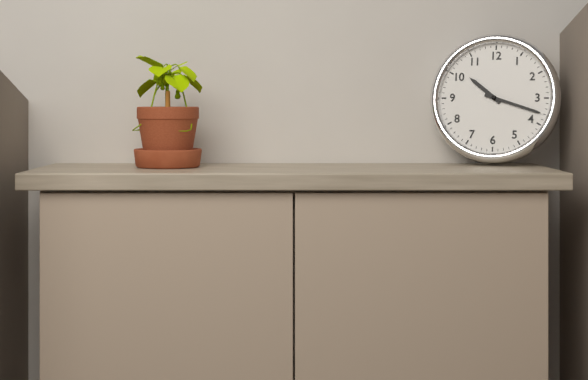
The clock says 10.18
